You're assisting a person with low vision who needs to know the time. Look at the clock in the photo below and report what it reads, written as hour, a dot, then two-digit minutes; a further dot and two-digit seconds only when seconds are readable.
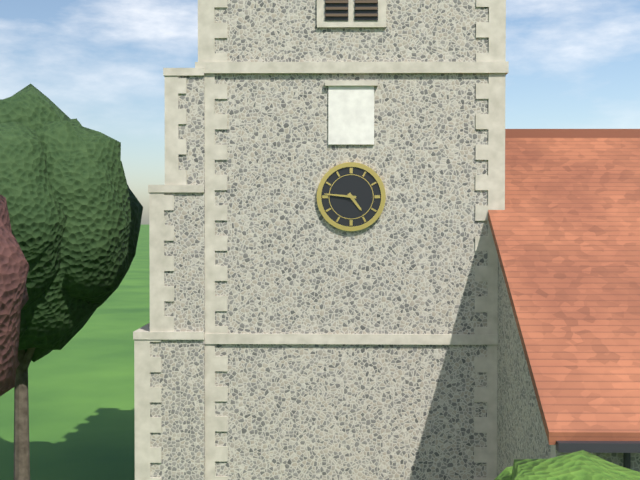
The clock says 4.46
